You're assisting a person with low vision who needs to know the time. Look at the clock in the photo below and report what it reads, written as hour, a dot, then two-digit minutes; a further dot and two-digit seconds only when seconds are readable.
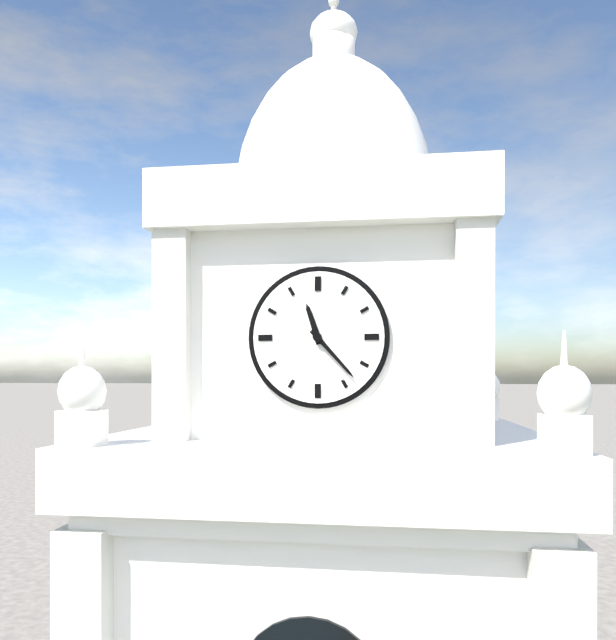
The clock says 11.23
